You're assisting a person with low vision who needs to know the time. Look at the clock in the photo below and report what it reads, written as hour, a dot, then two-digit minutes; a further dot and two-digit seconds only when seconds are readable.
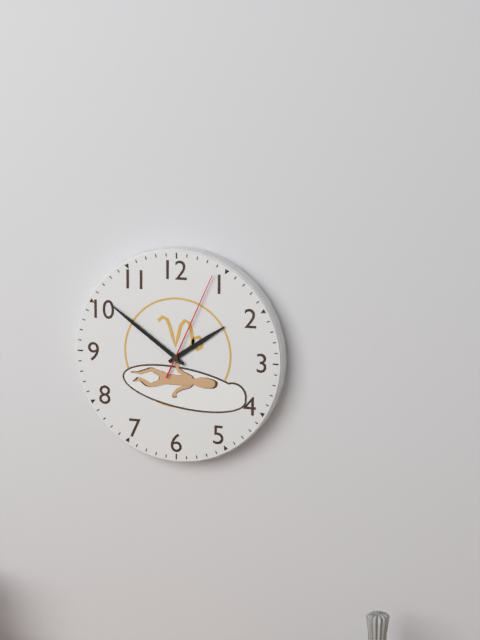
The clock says 1.51.04
